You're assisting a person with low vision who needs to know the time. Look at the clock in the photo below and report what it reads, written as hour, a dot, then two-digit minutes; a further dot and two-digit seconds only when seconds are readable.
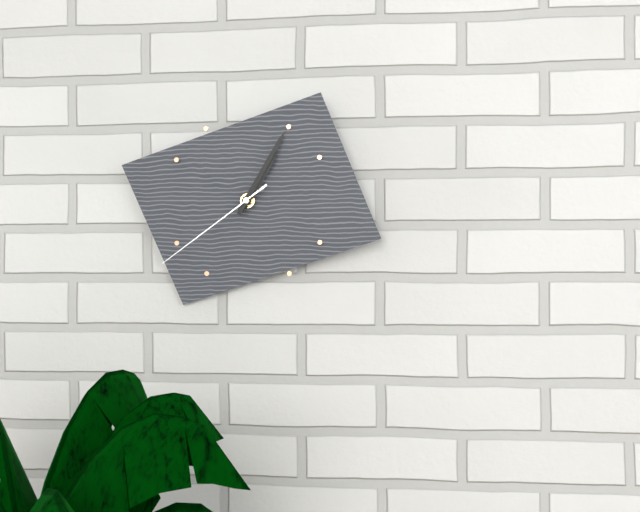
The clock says 1.05.39
